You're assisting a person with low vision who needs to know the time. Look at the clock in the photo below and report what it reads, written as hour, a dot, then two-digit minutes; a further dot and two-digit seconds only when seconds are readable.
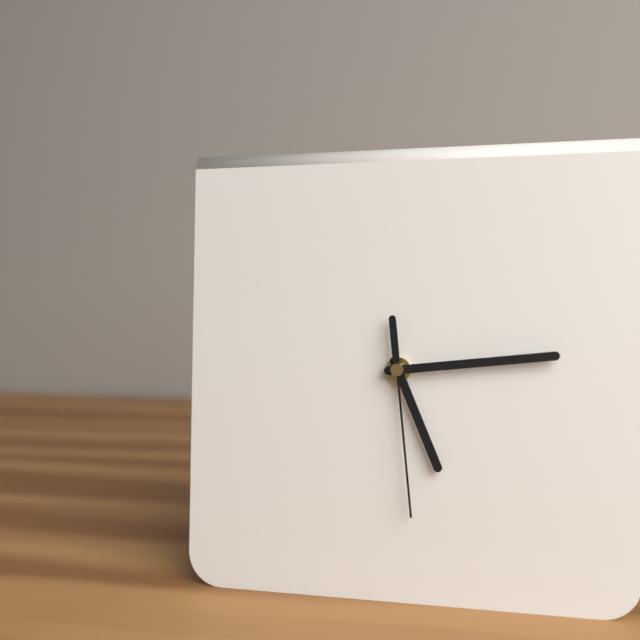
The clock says 5.14.29
